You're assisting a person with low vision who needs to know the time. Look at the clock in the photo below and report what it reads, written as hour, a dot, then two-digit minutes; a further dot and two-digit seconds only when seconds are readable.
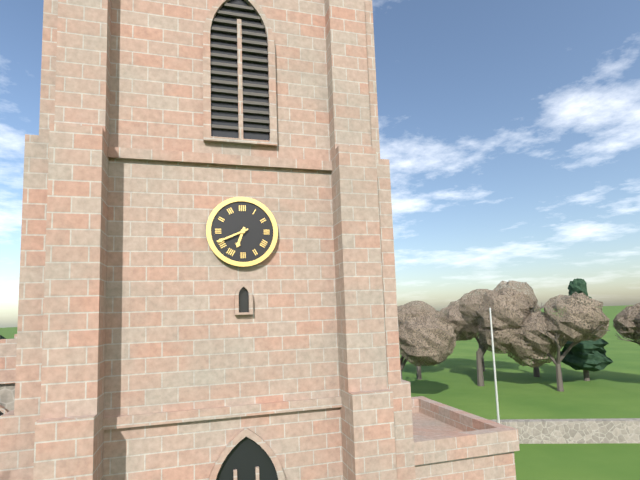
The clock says 6.41
